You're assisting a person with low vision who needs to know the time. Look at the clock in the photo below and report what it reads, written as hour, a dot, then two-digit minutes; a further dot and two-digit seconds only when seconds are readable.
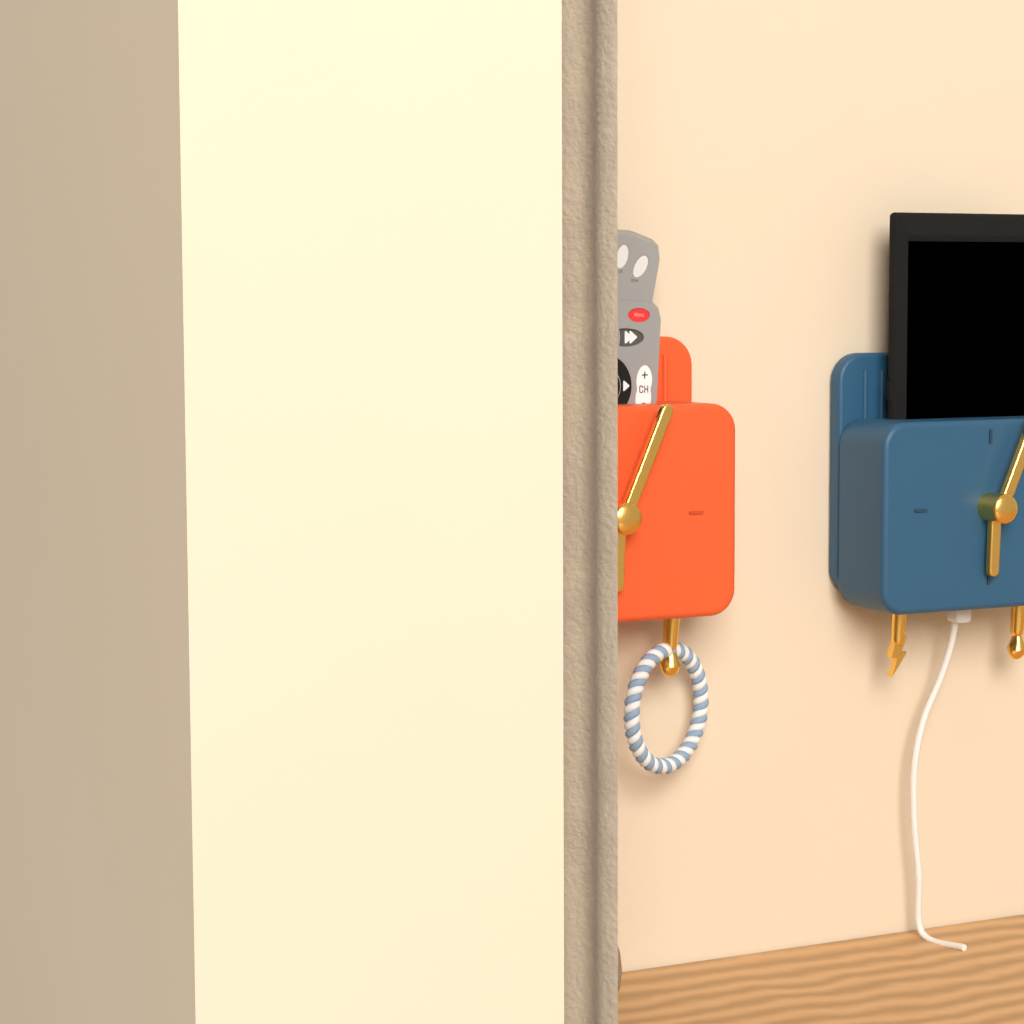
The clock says 6.04
